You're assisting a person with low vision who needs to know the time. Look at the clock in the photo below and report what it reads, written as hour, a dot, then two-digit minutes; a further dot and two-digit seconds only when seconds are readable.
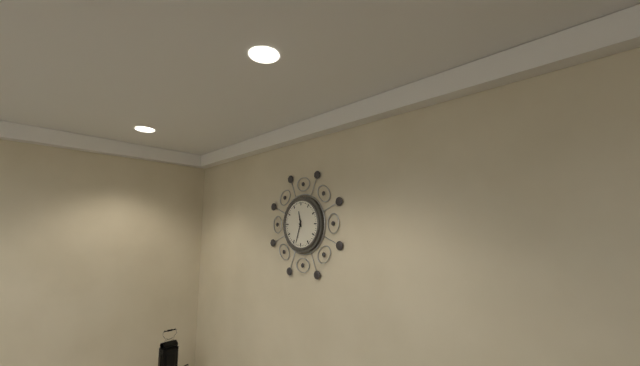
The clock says 11.33
